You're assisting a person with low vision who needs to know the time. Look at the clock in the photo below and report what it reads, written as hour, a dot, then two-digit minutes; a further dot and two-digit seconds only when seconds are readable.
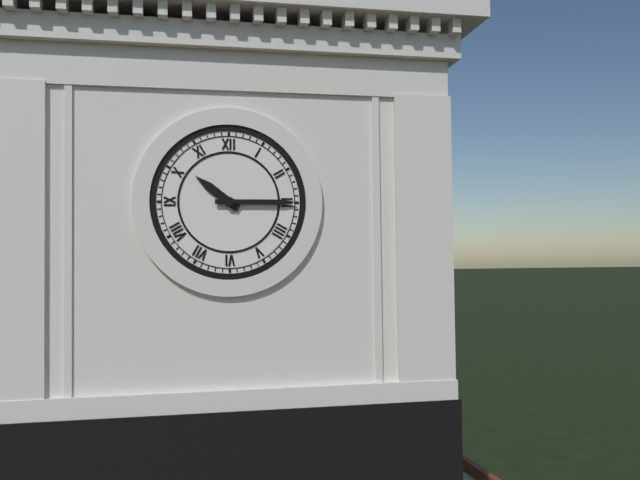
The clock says 10.15
